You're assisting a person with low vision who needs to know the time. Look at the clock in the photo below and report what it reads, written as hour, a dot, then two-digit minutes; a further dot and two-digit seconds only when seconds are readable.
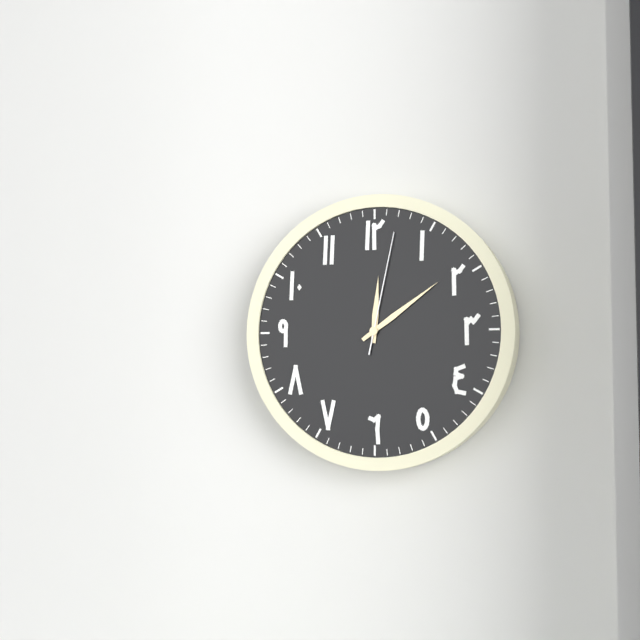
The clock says 12.09.02
